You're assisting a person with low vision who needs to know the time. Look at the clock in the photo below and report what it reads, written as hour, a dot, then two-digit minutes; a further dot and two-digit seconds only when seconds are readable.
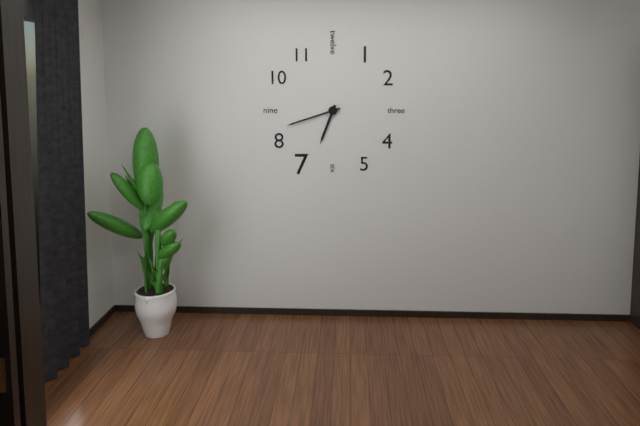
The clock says 6.42
